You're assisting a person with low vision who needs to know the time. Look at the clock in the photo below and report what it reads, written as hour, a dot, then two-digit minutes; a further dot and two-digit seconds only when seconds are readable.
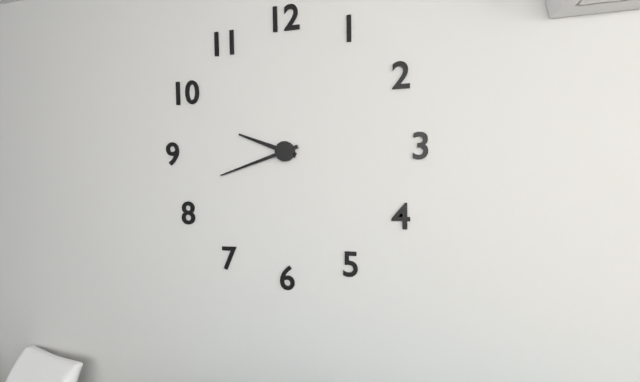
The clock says 9.42
